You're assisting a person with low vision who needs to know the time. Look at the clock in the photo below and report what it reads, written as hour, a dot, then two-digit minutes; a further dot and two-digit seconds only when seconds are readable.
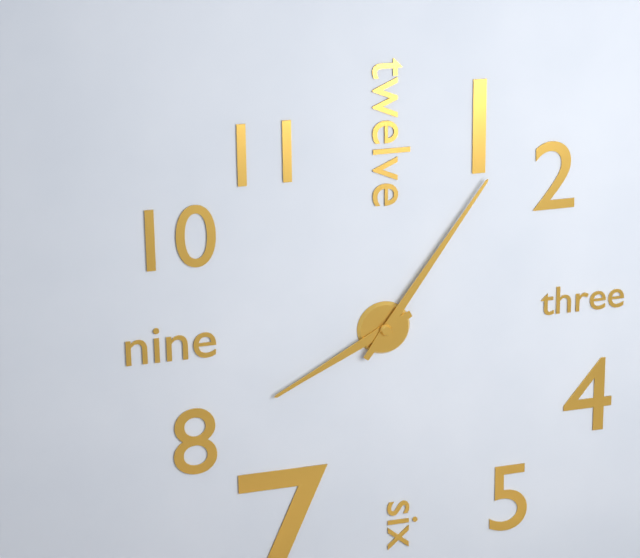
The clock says 8.06
